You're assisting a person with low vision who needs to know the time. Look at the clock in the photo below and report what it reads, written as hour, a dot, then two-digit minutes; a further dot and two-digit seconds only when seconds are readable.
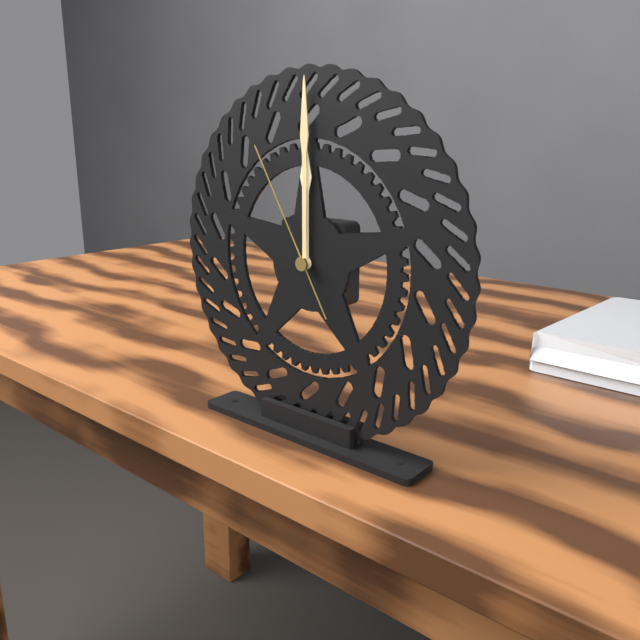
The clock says 12.00.55
